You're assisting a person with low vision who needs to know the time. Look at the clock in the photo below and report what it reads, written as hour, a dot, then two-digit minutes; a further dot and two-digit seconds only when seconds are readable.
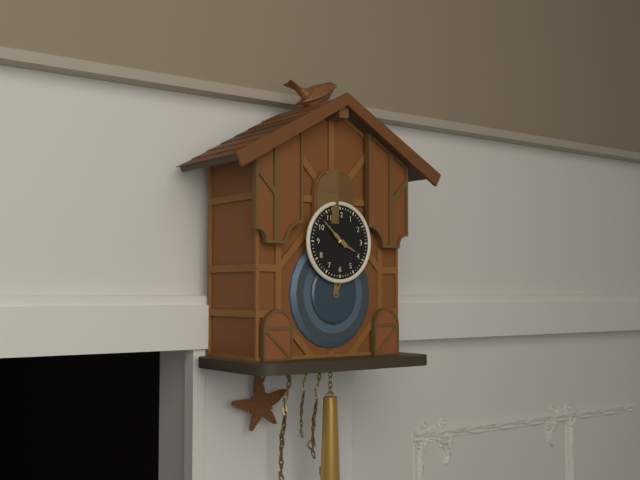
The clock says 3.52
